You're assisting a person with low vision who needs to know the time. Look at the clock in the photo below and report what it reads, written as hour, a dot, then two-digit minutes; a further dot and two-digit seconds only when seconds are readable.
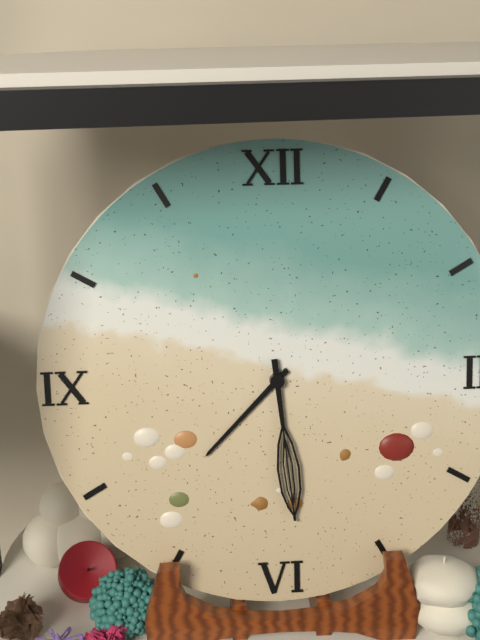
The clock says 7.29
